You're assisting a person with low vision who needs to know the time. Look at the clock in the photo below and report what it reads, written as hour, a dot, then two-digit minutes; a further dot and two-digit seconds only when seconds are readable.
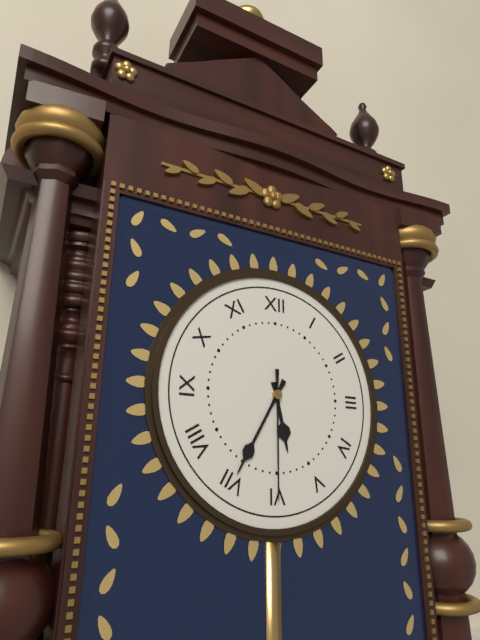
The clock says 5.35.30
